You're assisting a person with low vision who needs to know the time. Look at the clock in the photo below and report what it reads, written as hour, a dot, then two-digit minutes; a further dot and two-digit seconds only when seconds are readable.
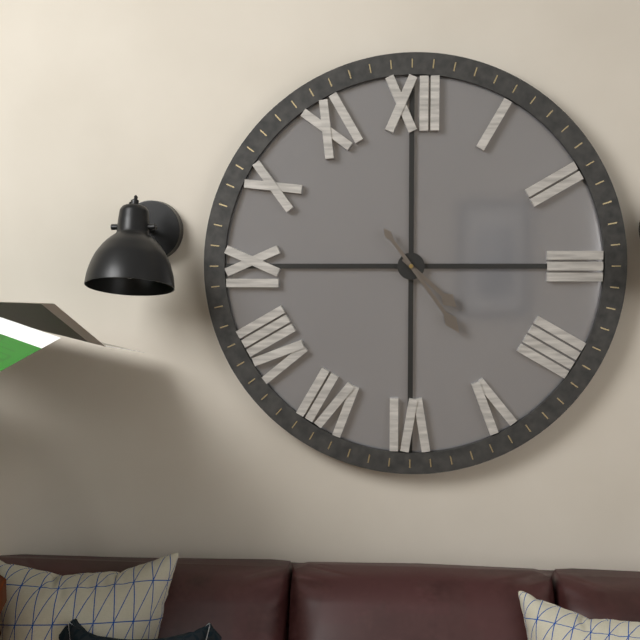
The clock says 4.24
